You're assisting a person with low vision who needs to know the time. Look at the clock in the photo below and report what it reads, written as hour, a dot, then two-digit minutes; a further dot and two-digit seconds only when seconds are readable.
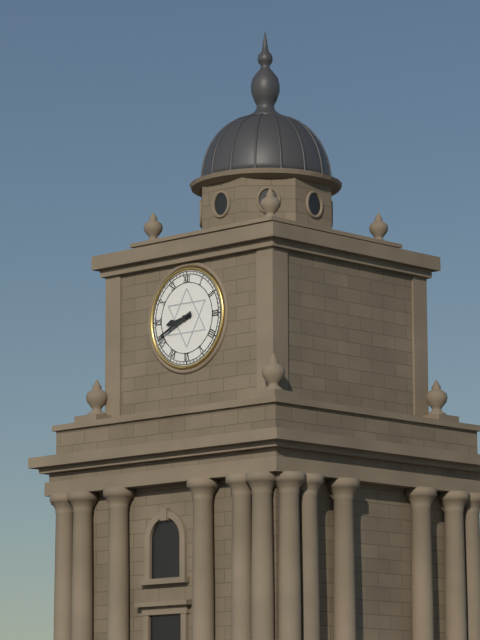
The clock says 8.41
